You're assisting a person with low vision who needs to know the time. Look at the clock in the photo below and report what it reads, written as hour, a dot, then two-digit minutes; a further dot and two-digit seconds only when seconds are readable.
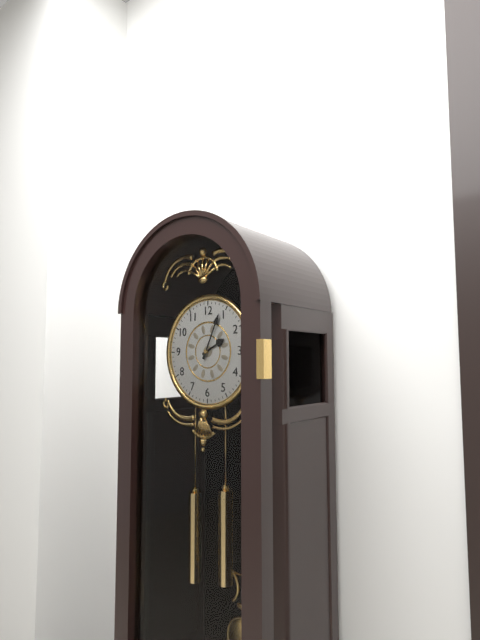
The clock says 2.04
